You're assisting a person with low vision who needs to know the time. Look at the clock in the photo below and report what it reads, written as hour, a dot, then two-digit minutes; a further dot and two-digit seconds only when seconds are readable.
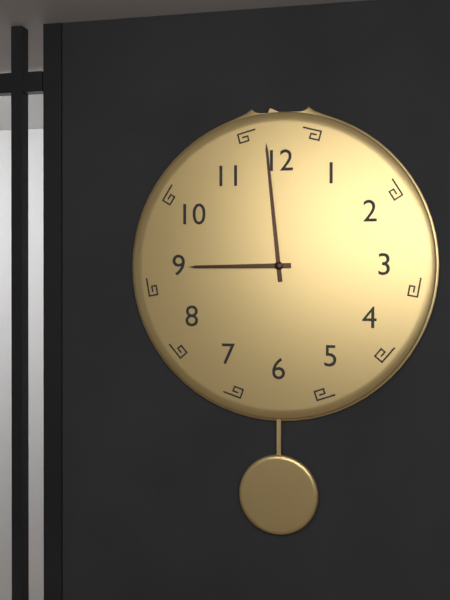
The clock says 8.59
